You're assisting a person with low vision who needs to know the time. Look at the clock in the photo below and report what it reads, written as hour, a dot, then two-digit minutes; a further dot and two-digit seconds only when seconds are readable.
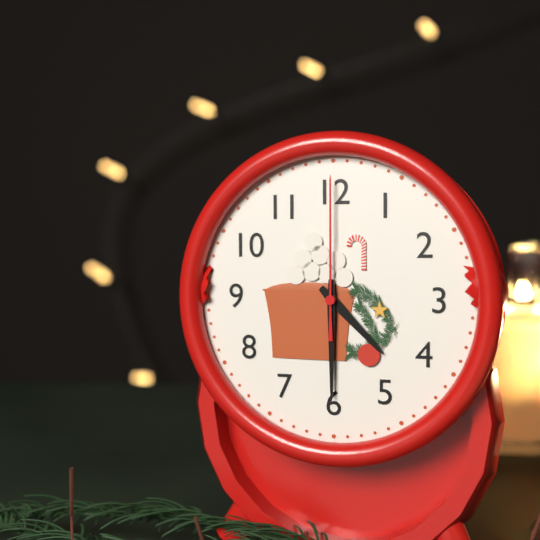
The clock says 4.30.00
